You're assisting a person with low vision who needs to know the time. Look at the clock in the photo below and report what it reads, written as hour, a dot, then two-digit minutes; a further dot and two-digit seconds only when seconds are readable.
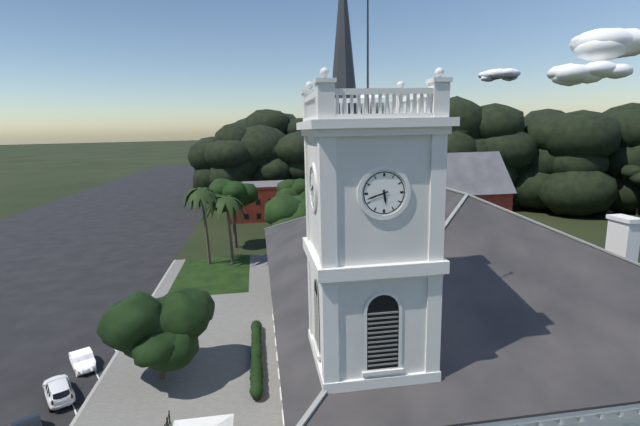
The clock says 5.42
